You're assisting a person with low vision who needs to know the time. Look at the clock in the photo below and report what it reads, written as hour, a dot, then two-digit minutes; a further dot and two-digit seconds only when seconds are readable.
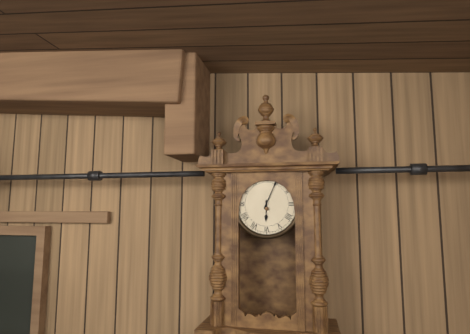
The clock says 6.04
